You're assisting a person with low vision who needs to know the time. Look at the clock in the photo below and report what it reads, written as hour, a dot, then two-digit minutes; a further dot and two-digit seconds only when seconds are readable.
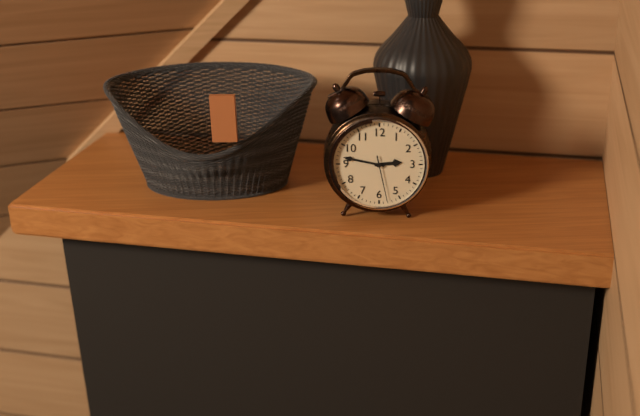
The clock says 2.47
